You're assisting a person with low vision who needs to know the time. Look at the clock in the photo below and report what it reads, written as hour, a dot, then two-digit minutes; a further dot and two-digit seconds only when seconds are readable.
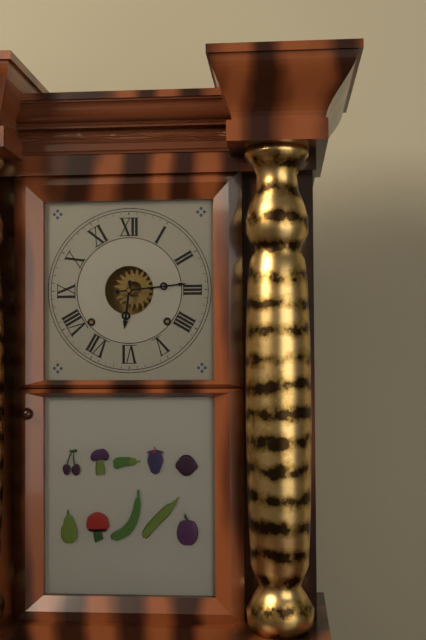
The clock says 6.14
